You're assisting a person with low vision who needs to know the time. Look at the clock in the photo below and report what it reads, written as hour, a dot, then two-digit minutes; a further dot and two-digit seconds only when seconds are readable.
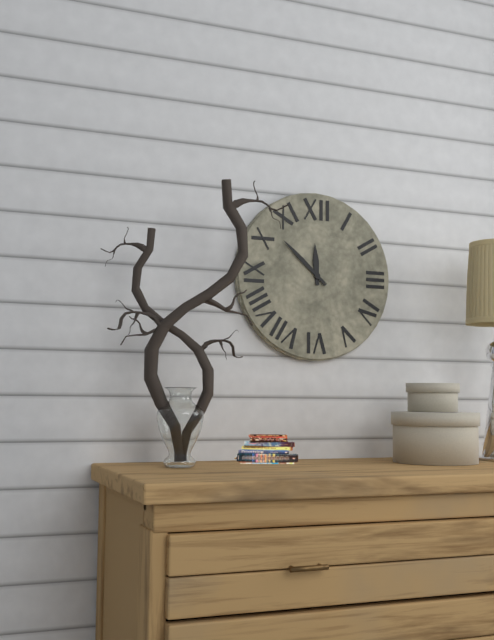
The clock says 11.52
